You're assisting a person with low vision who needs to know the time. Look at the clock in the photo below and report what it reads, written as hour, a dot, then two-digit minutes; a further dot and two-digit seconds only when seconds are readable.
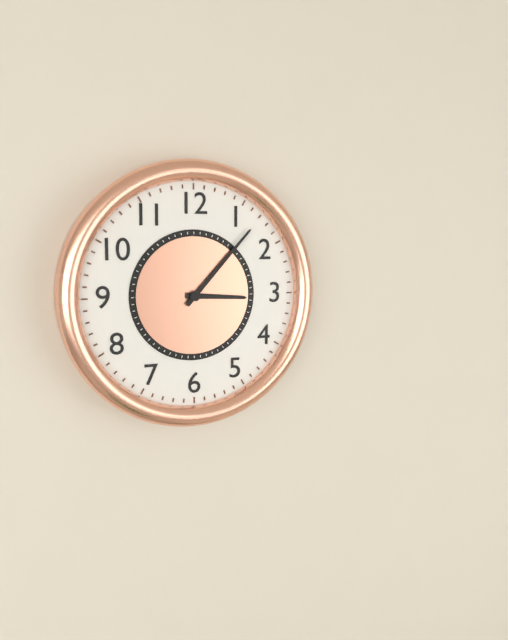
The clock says 3.07
